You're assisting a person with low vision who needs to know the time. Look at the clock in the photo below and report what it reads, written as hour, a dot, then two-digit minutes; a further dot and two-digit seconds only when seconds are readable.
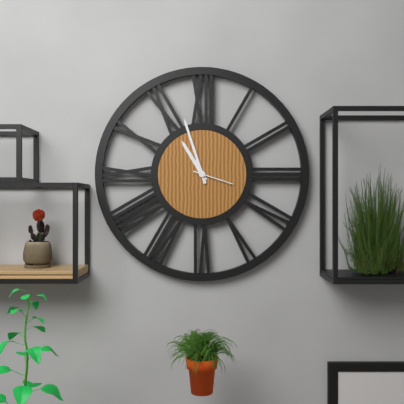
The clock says 10.57
